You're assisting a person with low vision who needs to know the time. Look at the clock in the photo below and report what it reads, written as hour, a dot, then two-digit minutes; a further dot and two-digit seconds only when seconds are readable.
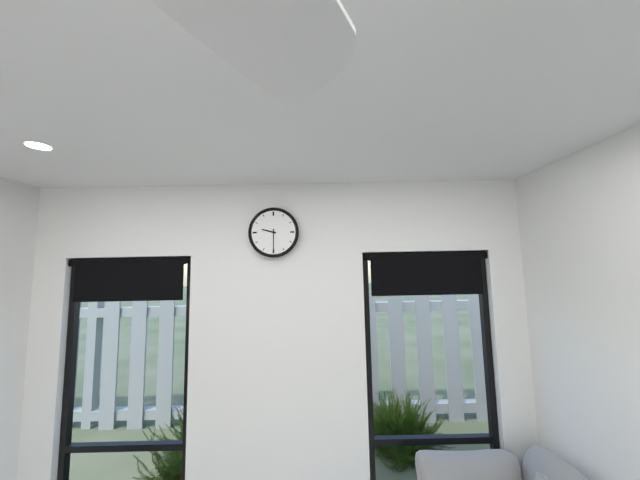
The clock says 9.30
